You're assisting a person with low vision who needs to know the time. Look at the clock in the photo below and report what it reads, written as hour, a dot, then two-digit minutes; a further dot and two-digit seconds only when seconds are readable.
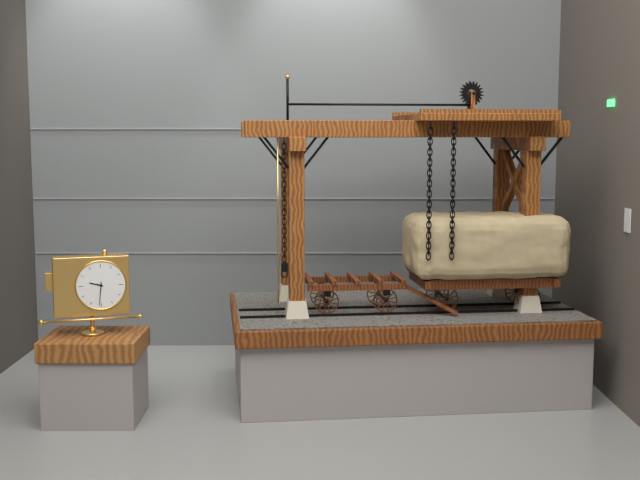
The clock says 9.31
